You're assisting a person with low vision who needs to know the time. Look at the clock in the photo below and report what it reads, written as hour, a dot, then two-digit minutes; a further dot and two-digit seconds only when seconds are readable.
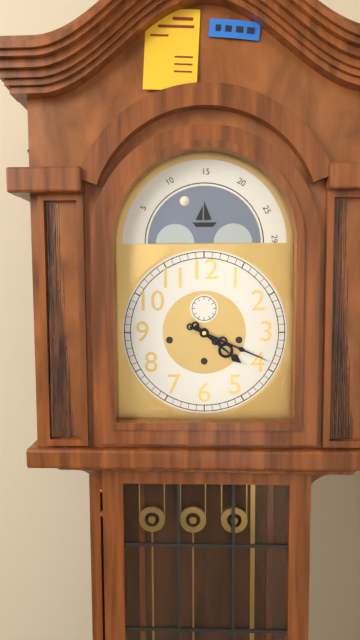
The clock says 4.19
